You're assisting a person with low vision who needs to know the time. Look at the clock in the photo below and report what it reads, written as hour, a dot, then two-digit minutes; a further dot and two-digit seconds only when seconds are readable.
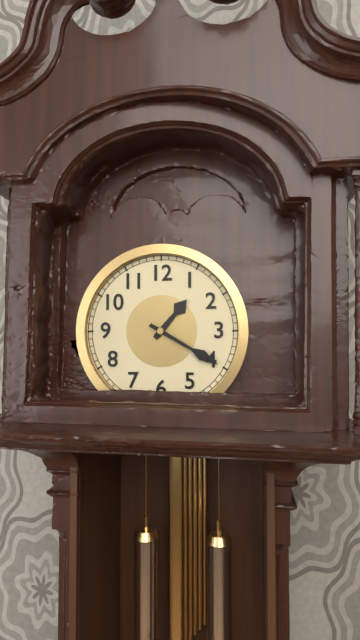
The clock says 1.20
